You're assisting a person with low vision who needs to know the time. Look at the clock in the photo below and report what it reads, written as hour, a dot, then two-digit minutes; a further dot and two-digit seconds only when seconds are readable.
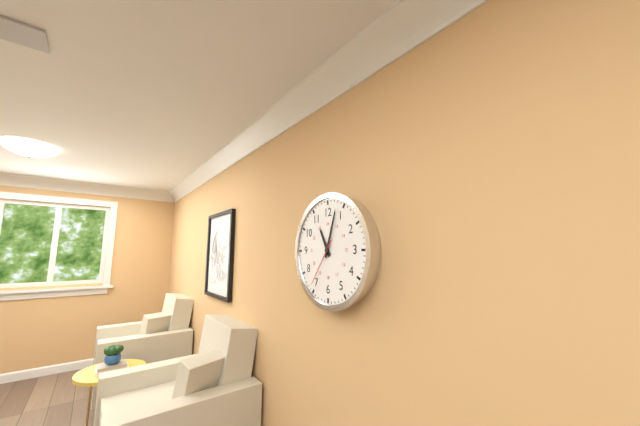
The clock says 11.03
